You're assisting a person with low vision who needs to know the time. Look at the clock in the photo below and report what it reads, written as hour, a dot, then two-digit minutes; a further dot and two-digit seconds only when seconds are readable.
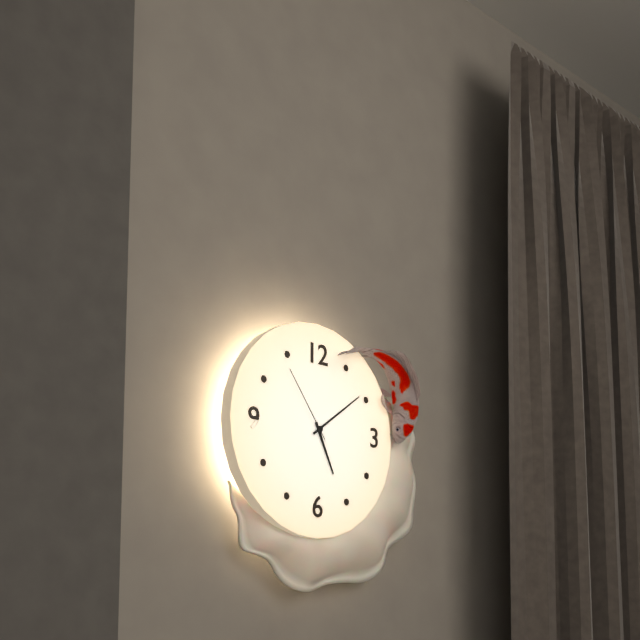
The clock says 5.09.54
